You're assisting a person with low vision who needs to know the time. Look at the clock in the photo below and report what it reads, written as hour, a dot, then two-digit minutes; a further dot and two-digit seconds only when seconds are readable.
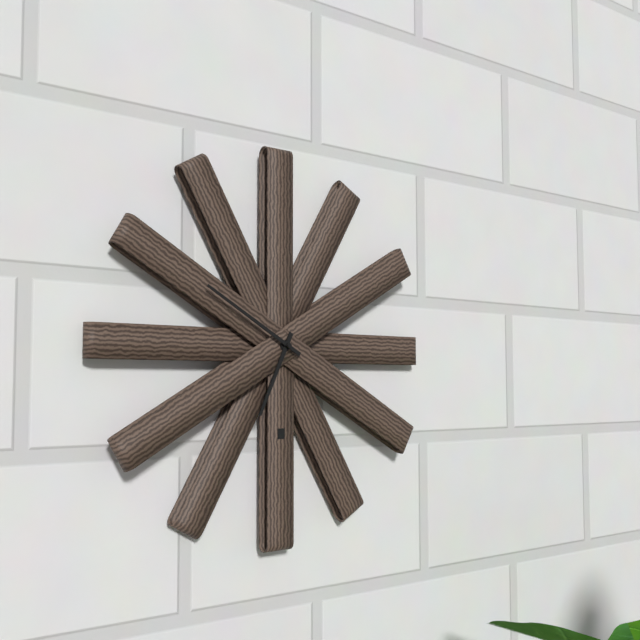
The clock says 6.50
